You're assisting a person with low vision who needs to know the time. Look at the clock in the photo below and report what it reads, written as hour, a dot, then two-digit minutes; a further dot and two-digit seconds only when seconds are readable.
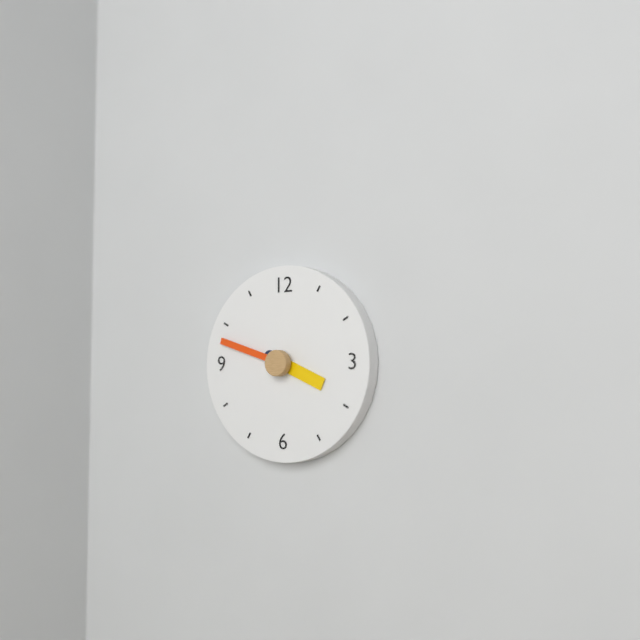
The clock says 3.48
